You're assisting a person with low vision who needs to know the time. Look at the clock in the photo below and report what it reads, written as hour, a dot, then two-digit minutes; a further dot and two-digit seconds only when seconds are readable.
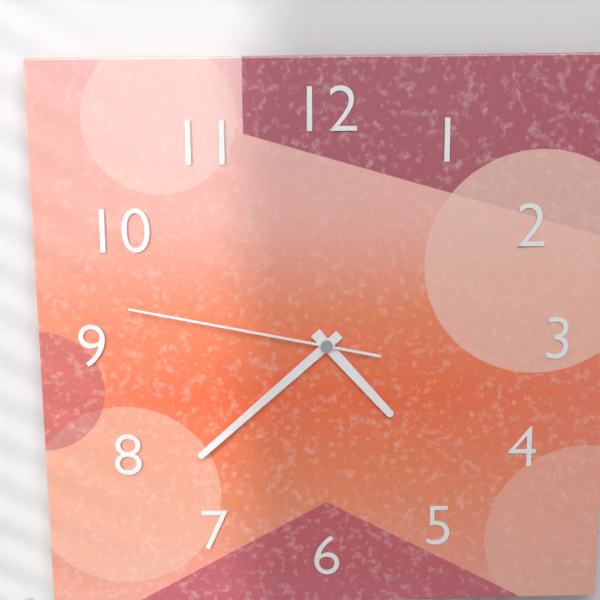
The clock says 4.38.47
